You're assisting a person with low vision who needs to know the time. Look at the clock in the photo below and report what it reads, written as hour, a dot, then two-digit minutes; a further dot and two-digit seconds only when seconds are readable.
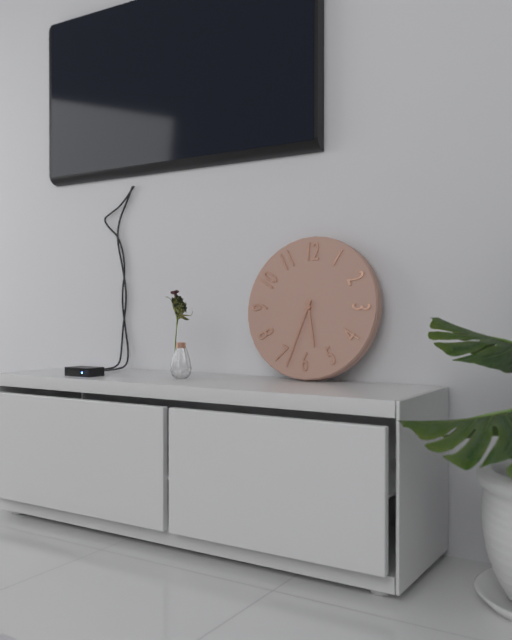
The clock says 5.33
